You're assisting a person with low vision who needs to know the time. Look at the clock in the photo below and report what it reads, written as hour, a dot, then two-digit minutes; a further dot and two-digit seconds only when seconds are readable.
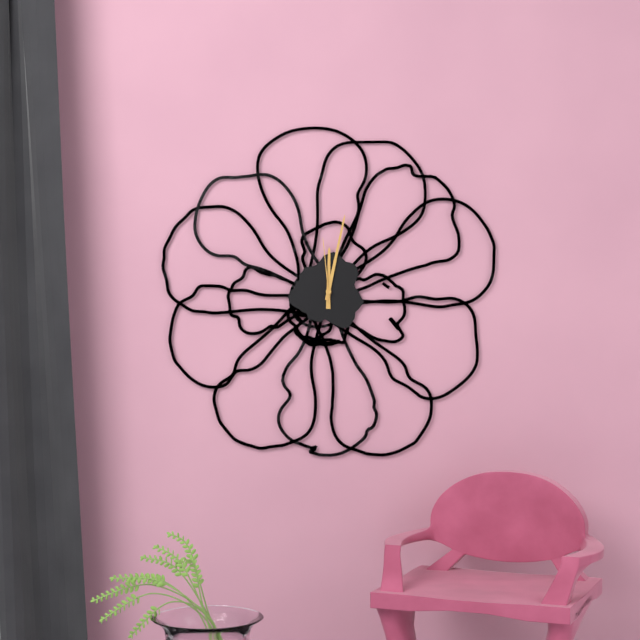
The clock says 12.02.59
